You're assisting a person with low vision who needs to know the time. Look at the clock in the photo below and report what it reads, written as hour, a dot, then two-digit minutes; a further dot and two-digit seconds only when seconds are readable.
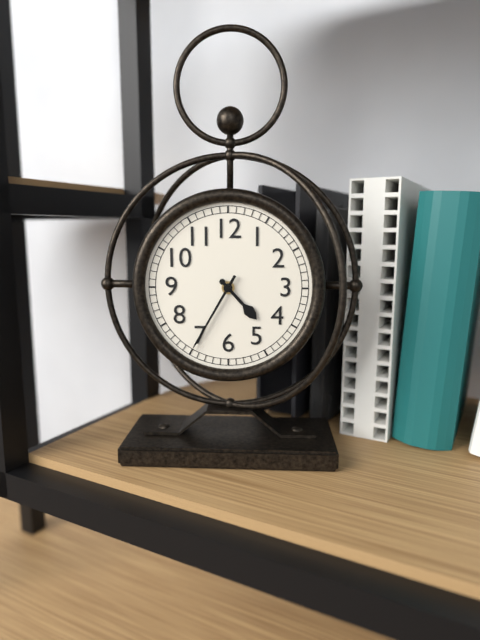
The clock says 4.35
